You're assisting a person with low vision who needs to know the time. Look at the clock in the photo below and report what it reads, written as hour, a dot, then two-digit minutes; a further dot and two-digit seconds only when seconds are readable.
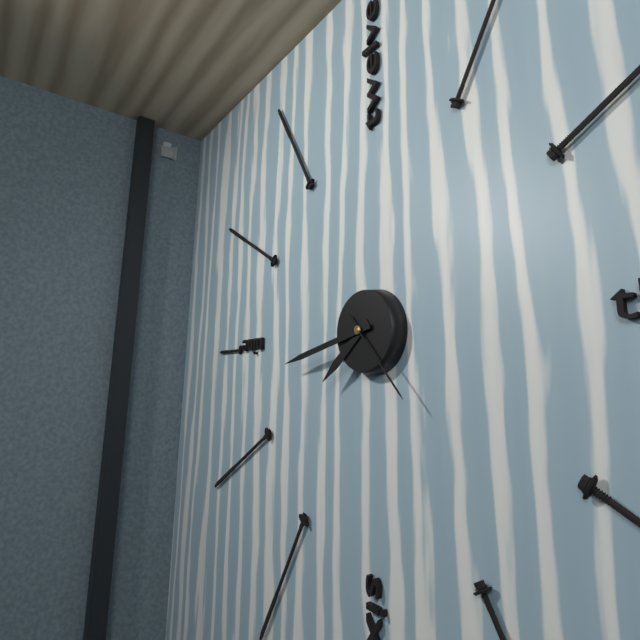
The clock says 7.43.23
